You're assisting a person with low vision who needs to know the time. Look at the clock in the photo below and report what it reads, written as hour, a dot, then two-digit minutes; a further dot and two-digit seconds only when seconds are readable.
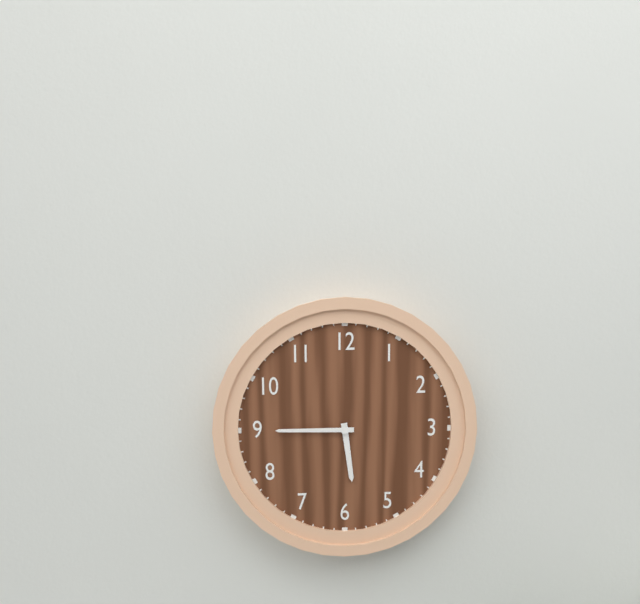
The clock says 5.45
